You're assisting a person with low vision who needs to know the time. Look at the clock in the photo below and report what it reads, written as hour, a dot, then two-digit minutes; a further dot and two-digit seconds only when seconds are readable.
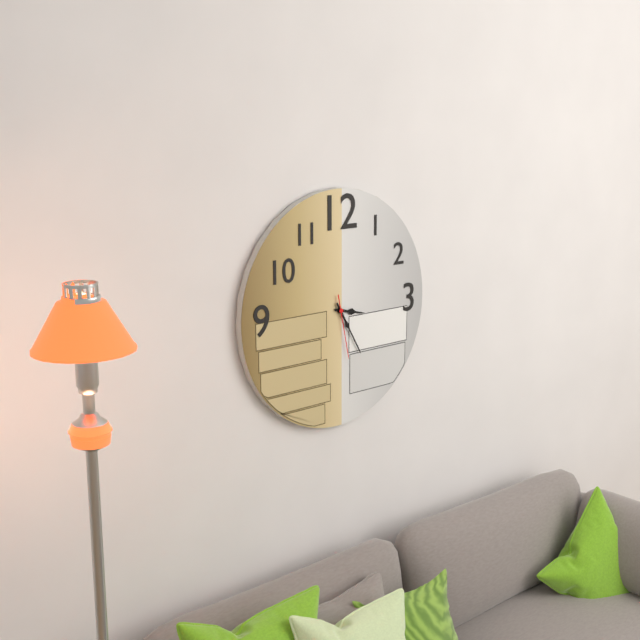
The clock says 3.25.28
